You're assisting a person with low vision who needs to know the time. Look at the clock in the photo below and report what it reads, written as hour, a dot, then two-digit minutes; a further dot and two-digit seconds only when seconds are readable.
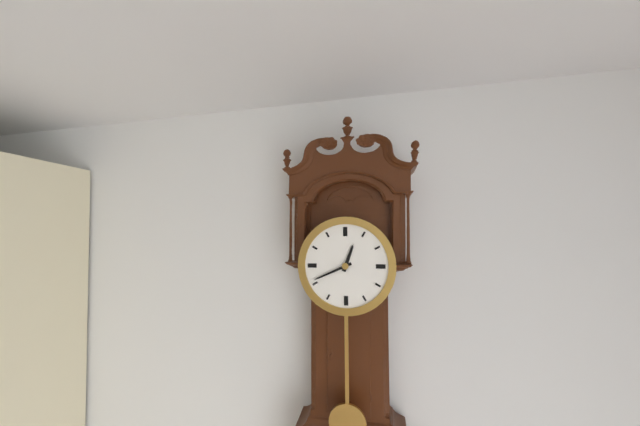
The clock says 12.41
